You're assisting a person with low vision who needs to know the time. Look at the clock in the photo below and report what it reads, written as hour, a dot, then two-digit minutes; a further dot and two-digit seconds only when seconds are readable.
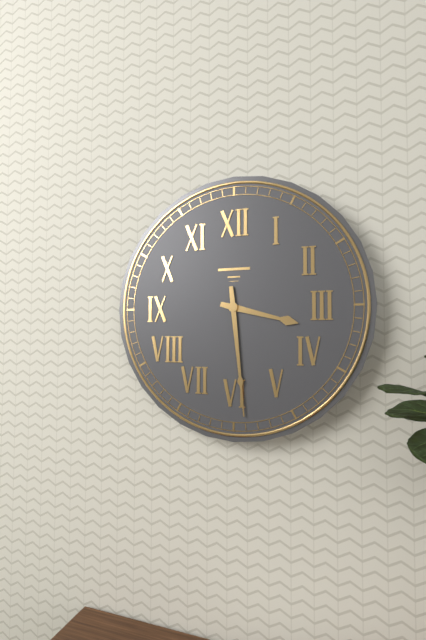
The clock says 3.29
